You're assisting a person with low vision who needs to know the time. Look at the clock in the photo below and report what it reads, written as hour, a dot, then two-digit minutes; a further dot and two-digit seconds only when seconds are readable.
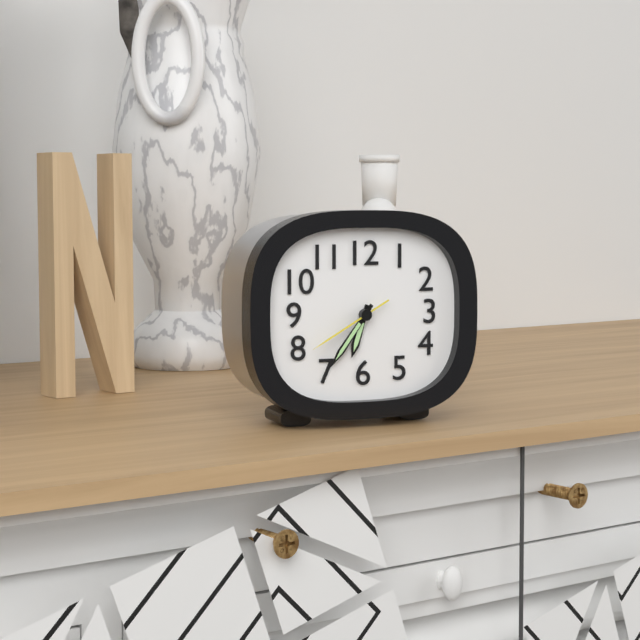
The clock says 6.36.40
